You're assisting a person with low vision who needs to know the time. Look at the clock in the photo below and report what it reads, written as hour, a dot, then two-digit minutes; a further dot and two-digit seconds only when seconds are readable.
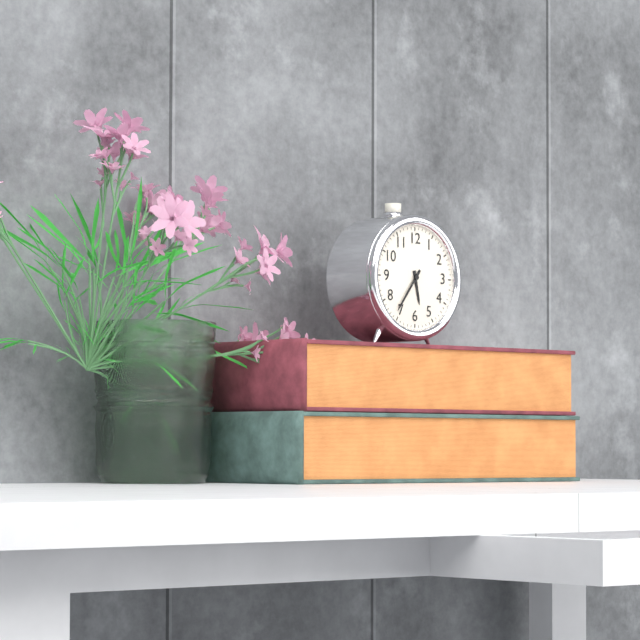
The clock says 5.36
